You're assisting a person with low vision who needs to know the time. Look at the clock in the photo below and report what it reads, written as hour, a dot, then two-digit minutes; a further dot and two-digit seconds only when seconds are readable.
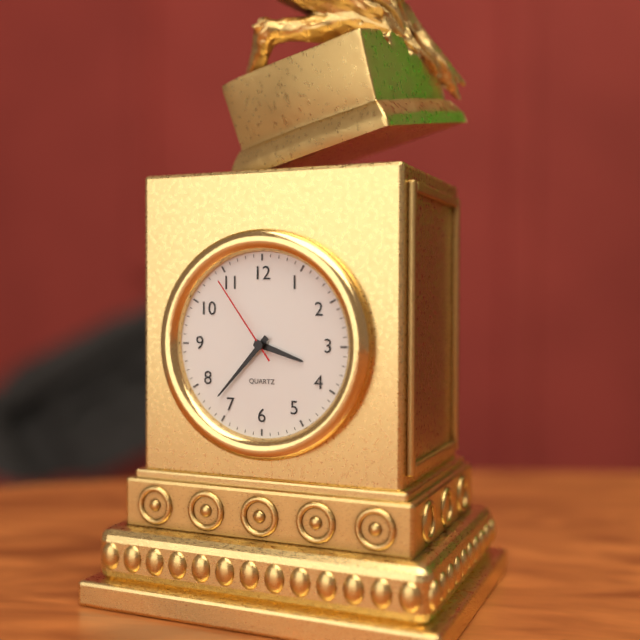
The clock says 3.37.54
